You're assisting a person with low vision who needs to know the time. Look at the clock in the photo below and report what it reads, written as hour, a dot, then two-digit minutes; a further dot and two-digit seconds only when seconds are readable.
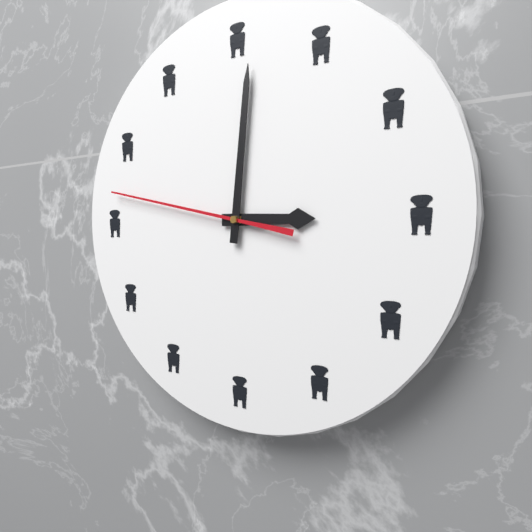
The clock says 3.01.47
